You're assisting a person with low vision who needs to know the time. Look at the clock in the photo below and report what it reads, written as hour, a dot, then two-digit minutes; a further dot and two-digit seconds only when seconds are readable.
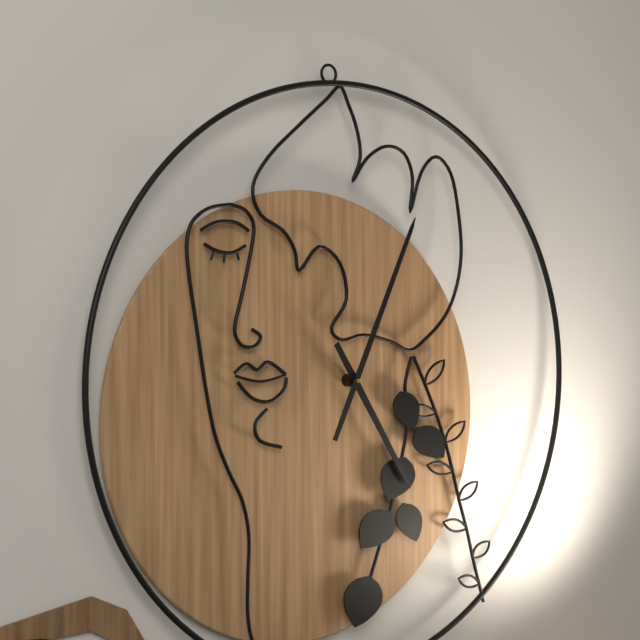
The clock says 5.05
